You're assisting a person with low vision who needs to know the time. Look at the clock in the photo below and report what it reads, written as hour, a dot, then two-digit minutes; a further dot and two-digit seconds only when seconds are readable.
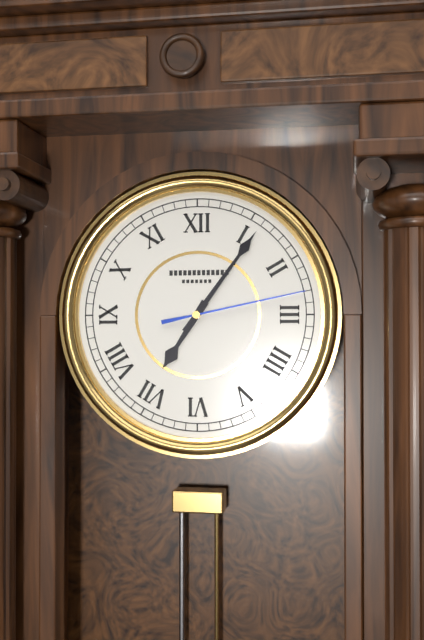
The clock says 7.06.13
